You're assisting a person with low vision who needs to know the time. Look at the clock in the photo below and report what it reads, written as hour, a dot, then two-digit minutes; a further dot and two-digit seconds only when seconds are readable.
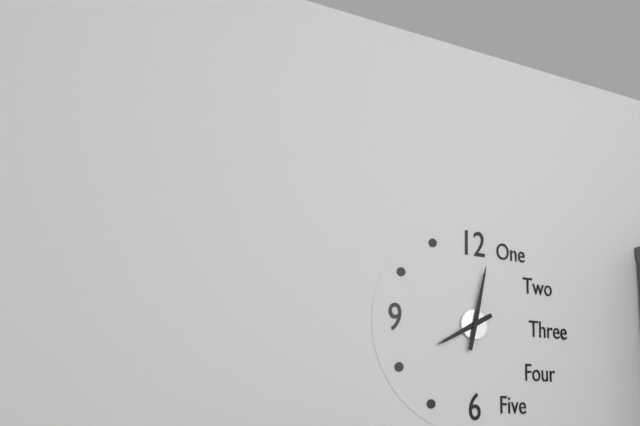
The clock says 8.02
